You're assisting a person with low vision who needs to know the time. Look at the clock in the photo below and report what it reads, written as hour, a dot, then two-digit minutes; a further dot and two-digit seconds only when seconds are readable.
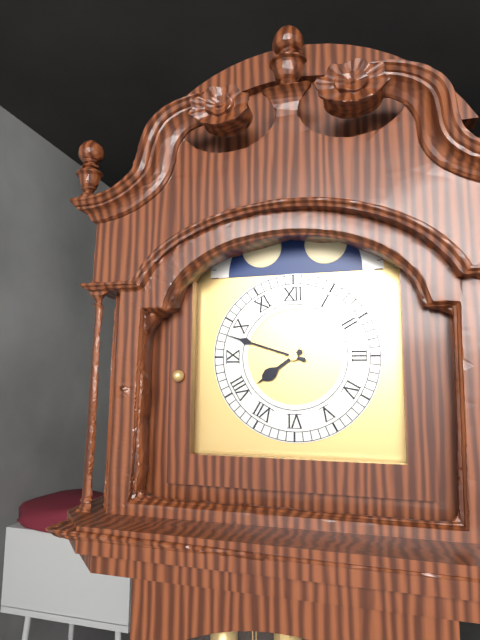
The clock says 7.48
